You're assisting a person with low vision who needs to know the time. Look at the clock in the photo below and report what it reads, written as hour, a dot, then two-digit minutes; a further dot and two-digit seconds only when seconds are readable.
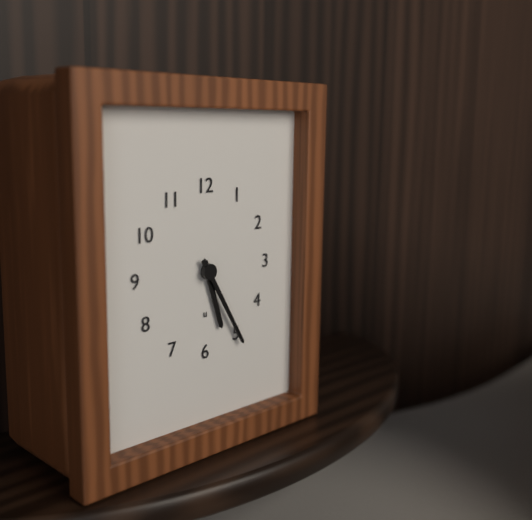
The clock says 5.25
